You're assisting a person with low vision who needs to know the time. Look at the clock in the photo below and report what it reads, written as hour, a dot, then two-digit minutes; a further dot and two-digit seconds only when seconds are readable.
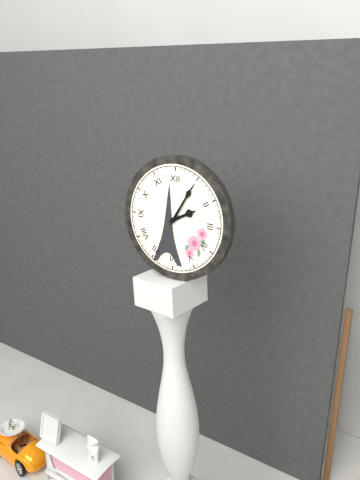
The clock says 2.05
